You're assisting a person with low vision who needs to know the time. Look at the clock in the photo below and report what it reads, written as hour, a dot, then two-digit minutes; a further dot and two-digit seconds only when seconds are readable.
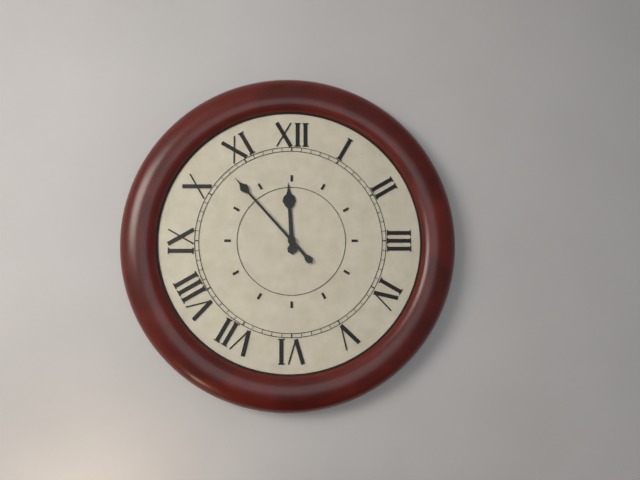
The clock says 11.53
